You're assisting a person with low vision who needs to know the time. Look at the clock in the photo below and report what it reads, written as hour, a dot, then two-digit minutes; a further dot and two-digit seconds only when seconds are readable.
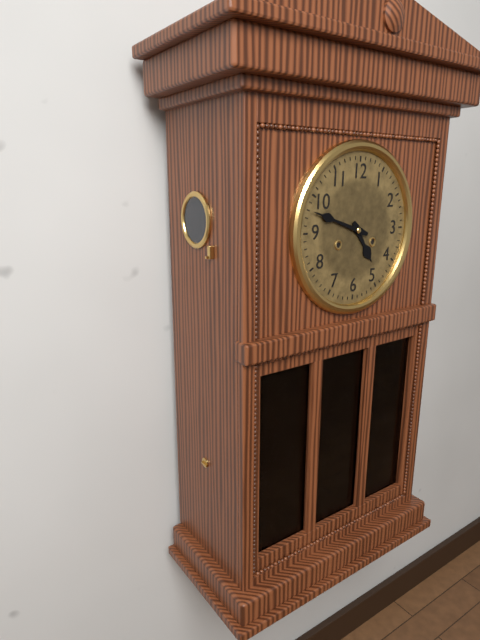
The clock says 4.48
